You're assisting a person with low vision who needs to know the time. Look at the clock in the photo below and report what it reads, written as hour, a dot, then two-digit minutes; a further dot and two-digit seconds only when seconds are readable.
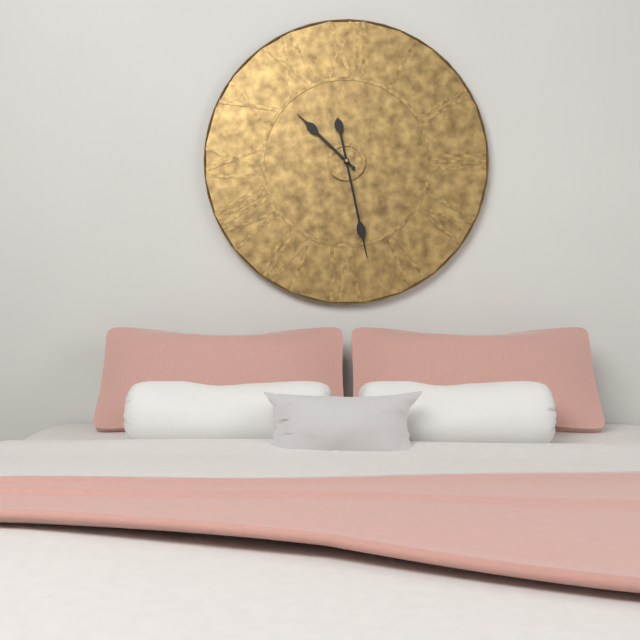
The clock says 10.28
